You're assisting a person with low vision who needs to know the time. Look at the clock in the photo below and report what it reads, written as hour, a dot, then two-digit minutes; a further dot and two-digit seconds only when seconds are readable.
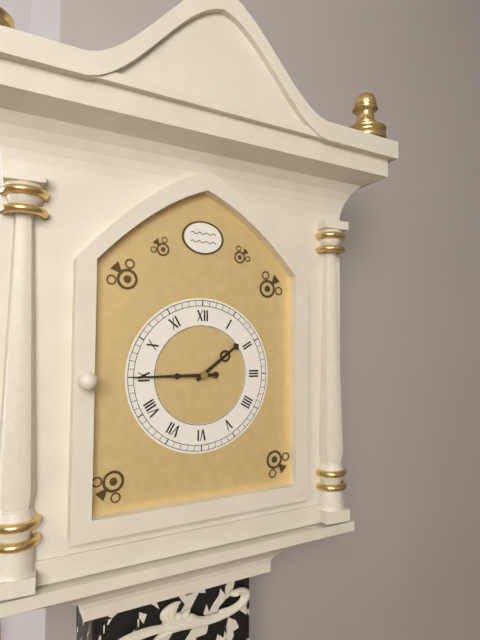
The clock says 1.45
